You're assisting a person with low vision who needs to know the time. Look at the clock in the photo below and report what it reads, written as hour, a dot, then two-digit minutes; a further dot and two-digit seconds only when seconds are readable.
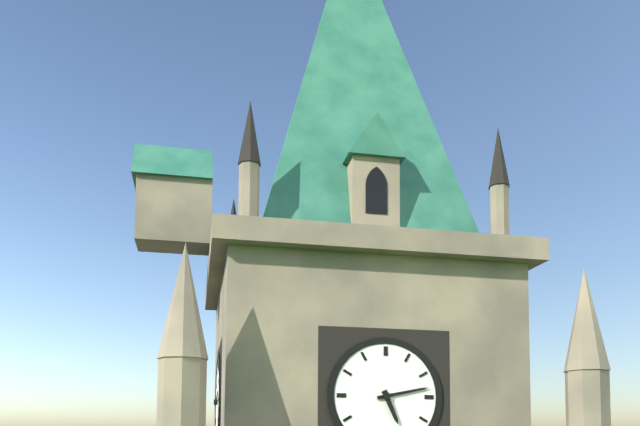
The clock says 5.13
